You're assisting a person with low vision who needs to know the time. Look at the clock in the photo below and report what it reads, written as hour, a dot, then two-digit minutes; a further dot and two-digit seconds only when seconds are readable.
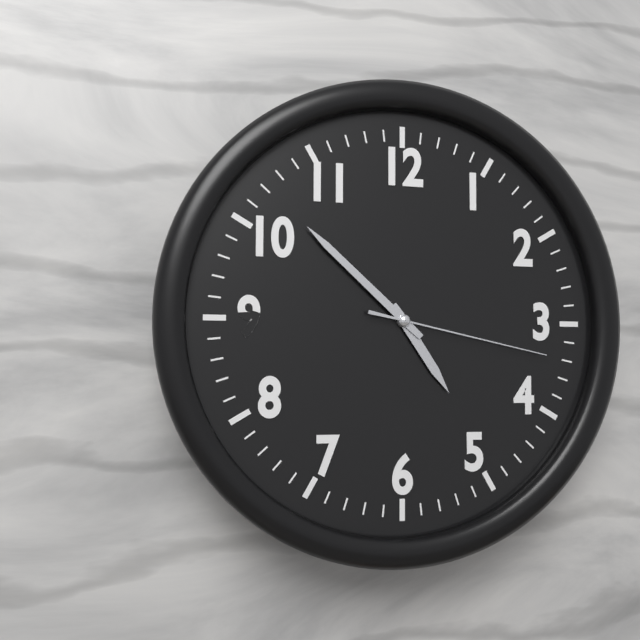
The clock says 4.52.17
